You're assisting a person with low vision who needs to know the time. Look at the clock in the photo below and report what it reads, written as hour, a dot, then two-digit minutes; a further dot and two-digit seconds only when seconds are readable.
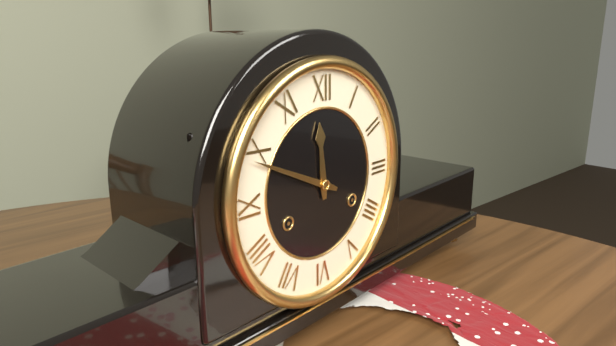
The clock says 11.49
